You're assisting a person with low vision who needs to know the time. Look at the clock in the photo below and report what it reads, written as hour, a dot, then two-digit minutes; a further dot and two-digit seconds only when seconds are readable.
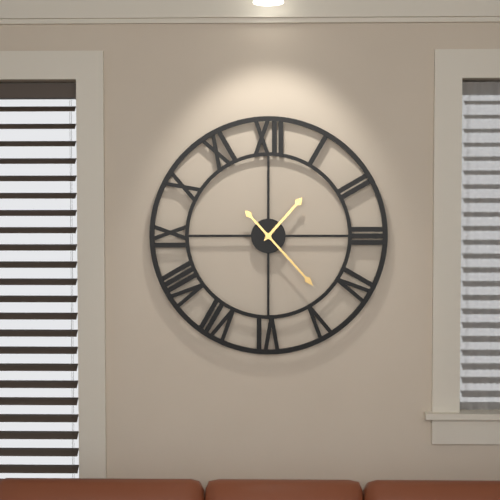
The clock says 1.23
